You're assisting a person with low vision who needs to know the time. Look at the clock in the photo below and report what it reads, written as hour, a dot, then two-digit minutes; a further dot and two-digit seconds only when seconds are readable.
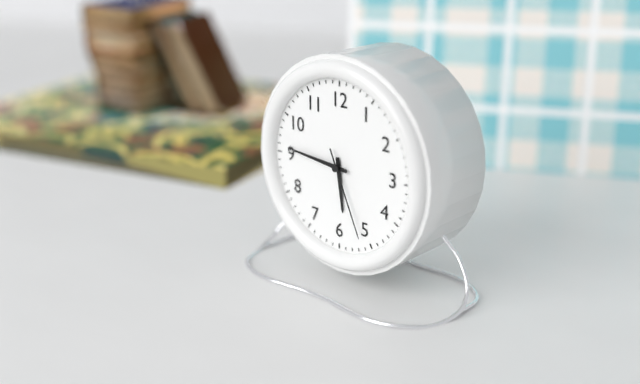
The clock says 5.46.26
